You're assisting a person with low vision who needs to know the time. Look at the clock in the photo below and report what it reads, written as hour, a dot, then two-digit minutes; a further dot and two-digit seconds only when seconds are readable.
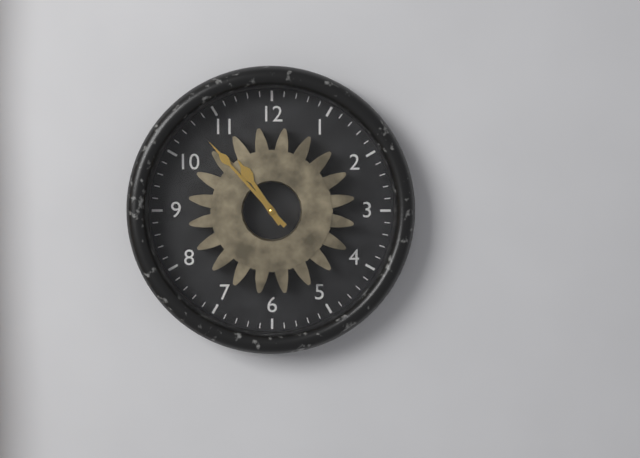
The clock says 10.53
